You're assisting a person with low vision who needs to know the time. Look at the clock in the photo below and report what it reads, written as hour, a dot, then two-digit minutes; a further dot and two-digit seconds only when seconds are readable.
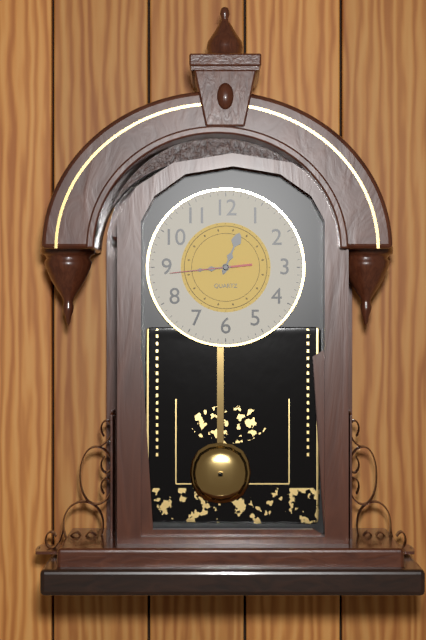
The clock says 12.44.44
